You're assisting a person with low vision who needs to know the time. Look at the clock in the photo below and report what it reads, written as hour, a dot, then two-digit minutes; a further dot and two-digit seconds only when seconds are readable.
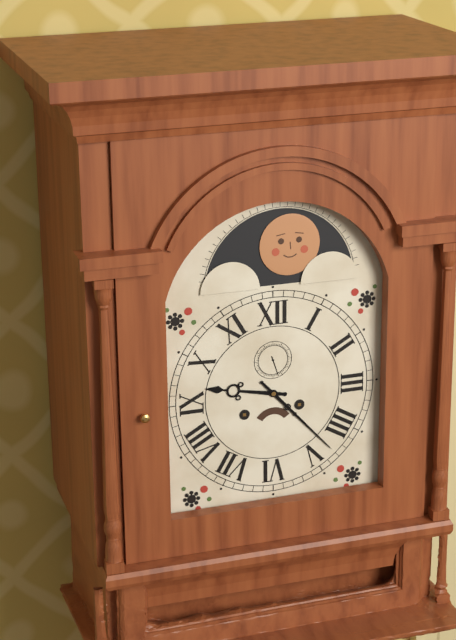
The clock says 9.23
